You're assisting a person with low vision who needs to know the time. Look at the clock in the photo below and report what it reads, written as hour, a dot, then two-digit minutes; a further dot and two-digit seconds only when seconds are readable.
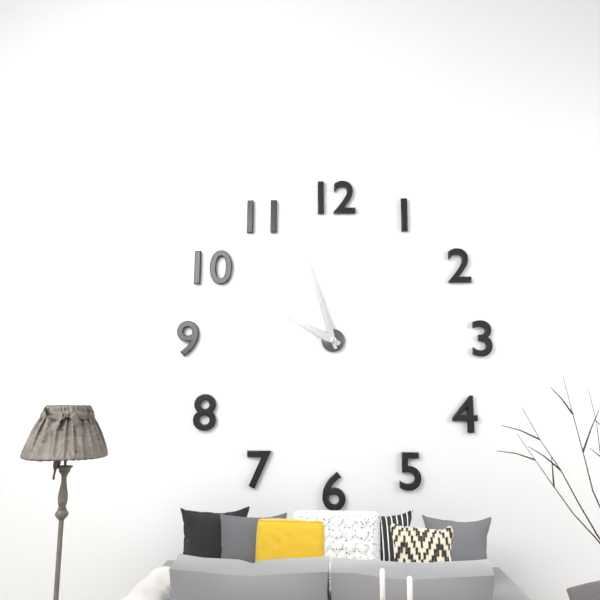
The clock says 9.57
